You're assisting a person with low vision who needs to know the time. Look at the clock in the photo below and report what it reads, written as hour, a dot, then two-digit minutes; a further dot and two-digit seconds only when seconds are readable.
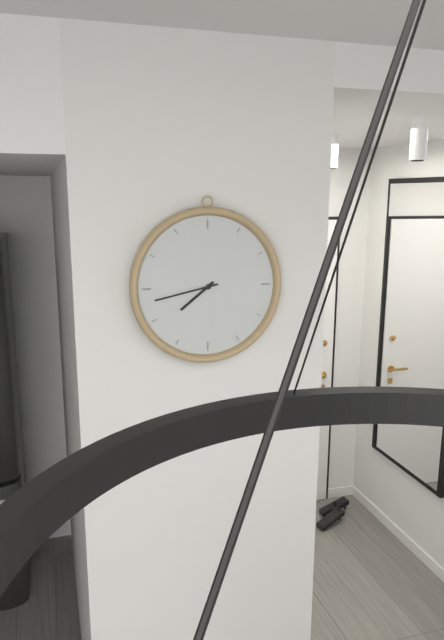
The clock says 7.43
